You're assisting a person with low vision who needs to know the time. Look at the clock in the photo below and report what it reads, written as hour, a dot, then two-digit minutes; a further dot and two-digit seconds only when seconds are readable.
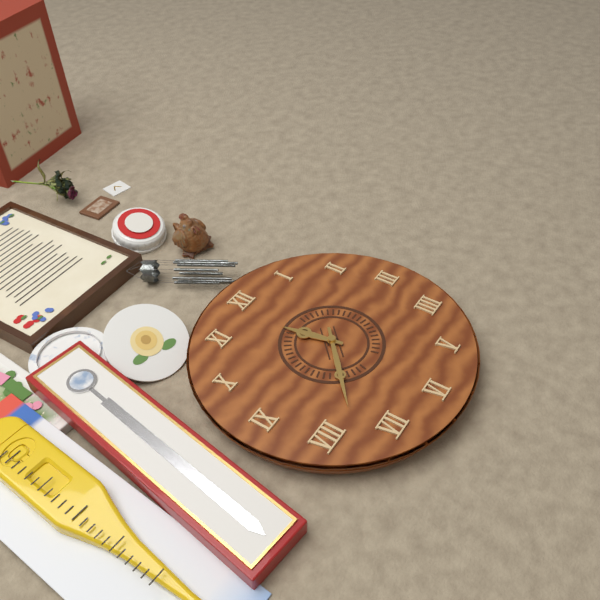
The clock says 11.38
